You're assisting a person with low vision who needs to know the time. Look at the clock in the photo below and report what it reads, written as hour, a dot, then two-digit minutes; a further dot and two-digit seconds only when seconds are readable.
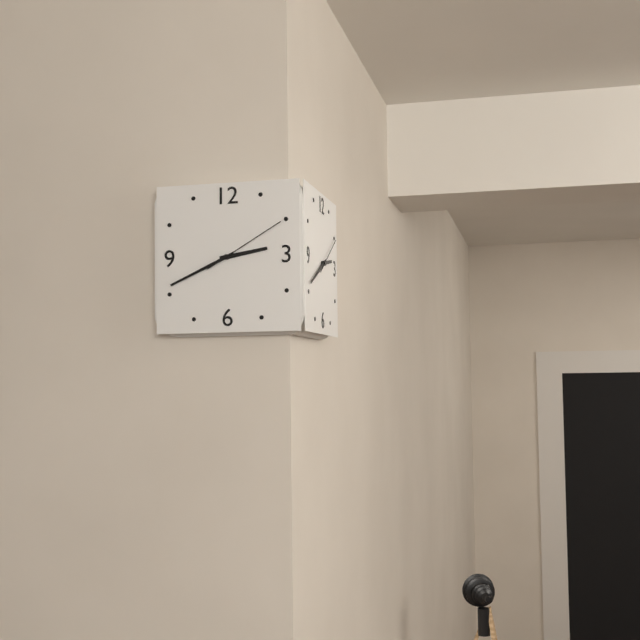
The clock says 2.41.10
